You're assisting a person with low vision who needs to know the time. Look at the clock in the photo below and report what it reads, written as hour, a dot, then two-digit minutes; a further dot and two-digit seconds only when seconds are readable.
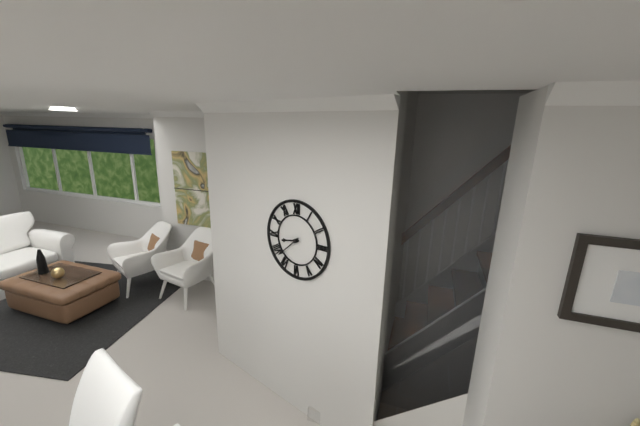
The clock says 8.38
